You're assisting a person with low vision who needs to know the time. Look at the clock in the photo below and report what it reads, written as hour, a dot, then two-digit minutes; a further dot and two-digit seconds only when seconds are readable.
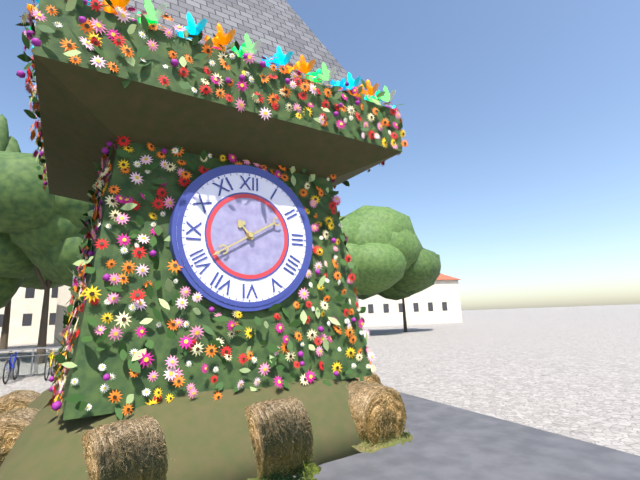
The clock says 10.40
